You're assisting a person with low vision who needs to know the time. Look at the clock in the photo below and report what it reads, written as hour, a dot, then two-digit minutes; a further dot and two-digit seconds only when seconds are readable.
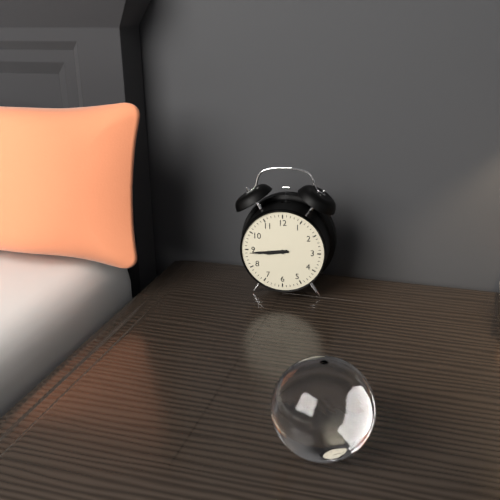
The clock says 8.44
